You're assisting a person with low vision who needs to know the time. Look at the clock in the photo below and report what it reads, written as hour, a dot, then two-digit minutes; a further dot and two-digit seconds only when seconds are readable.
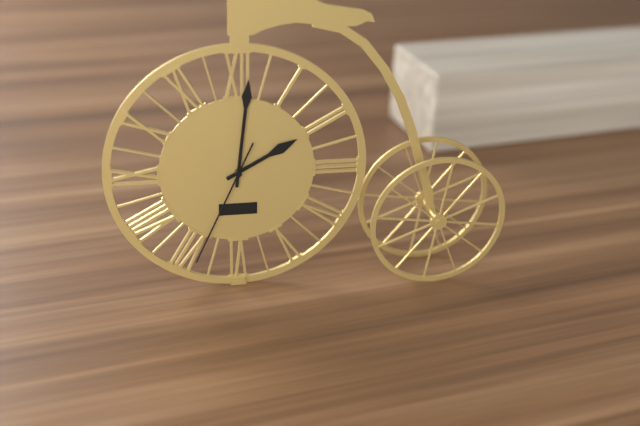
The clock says 2.01.34
